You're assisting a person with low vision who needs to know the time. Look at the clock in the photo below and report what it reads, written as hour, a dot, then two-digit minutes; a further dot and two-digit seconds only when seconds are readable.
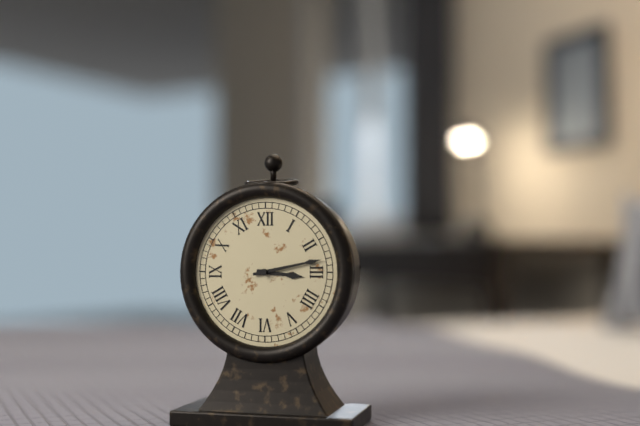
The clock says 3.13
